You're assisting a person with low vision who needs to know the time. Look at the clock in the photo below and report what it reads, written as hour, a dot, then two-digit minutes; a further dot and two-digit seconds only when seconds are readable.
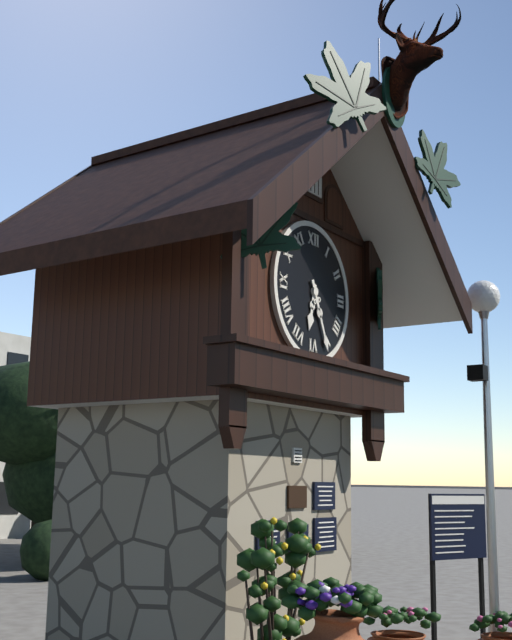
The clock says 6.26
